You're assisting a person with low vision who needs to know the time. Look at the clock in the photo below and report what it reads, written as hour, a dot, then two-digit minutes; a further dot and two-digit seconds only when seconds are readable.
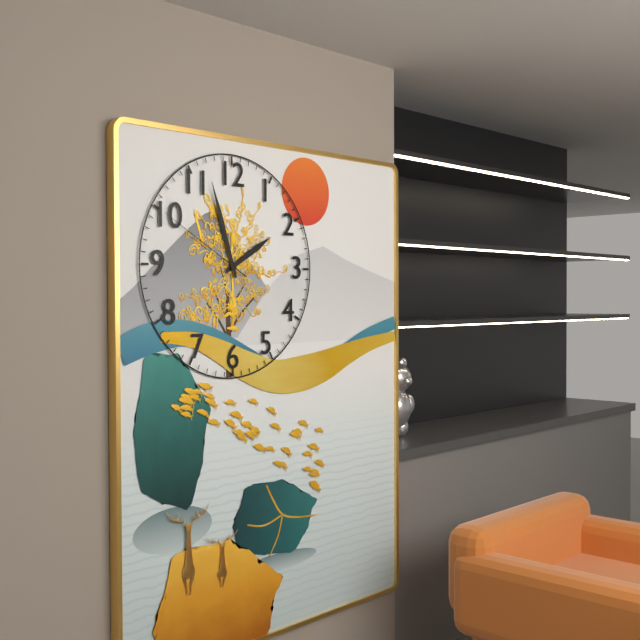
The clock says 1.57.50
